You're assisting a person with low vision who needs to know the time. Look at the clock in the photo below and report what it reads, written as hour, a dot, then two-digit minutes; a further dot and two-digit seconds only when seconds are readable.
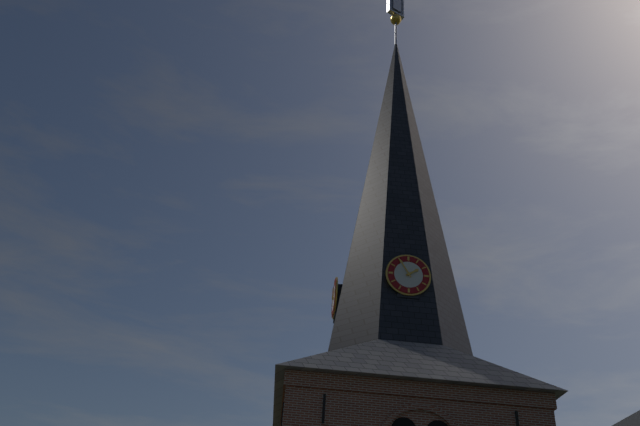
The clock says 1.55
